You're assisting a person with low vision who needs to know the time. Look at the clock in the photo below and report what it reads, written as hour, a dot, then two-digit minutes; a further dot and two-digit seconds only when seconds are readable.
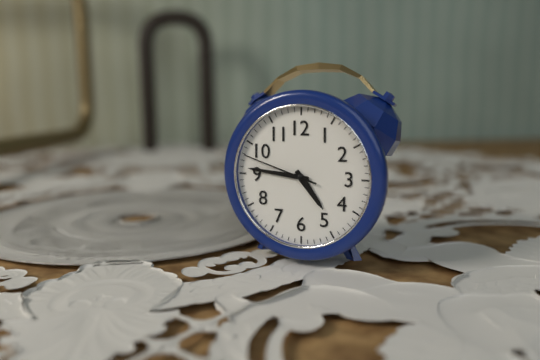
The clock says 4.46.48
